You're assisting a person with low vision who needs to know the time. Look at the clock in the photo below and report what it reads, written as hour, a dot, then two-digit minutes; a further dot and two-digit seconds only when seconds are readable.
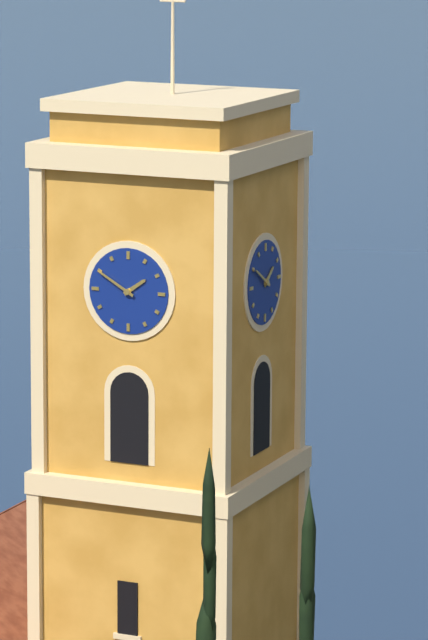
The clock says 1.50
